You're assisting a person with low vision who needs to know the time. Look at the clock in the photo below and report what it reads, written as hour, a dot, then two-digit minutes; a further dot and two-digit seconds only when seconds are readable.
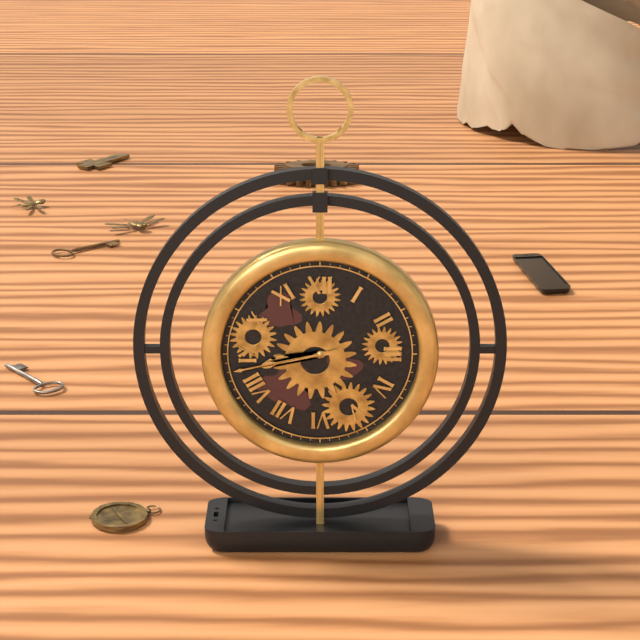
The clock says 8.43
